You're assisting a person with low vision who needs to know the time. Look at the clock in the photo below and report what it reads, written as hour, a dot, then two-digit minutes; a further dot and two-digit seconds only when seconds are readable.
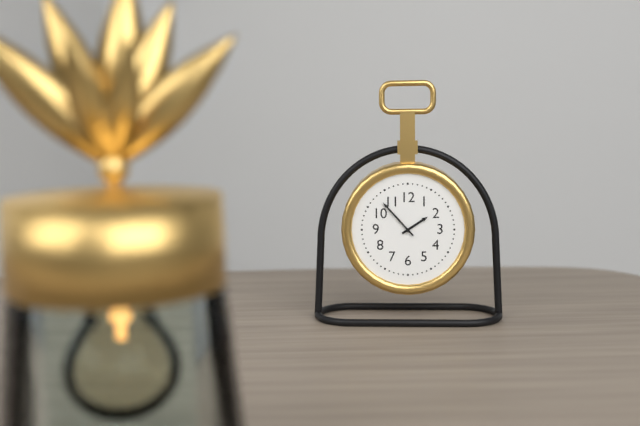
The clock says 1.53
